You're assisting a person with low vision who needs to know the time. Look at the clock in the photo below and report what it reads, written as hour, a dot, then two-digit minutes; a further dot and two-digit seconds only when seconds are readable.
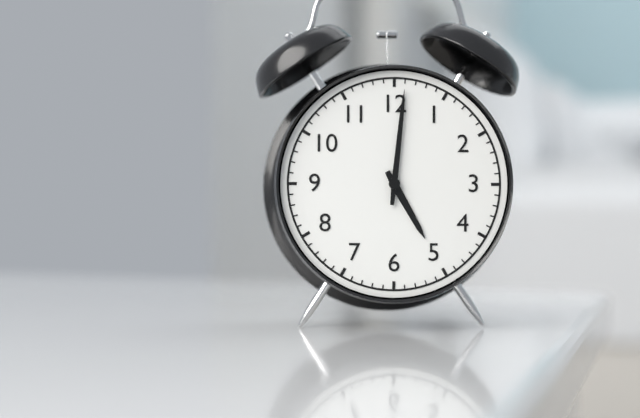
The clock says 5.01
